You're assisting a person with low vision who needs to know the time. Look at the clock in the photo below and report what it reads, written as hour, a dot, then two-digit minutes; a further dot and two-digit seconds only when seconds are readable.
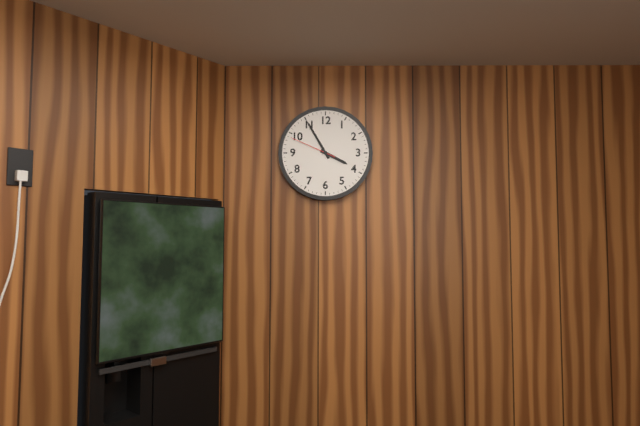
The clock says 3.55
